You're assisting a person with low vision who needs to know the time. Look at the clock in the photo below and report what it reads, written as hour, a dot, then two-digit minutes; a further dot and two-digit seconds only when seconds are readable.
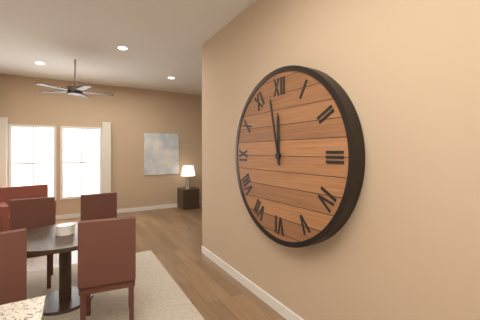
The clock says 11.58
